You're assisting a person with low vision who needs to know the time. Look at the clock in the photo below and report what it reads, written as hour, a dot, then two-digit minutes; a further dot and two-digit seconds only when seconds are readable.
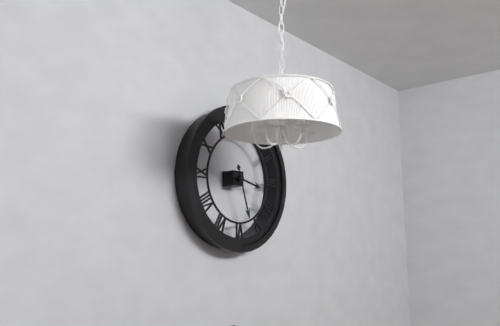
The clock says 3.27
